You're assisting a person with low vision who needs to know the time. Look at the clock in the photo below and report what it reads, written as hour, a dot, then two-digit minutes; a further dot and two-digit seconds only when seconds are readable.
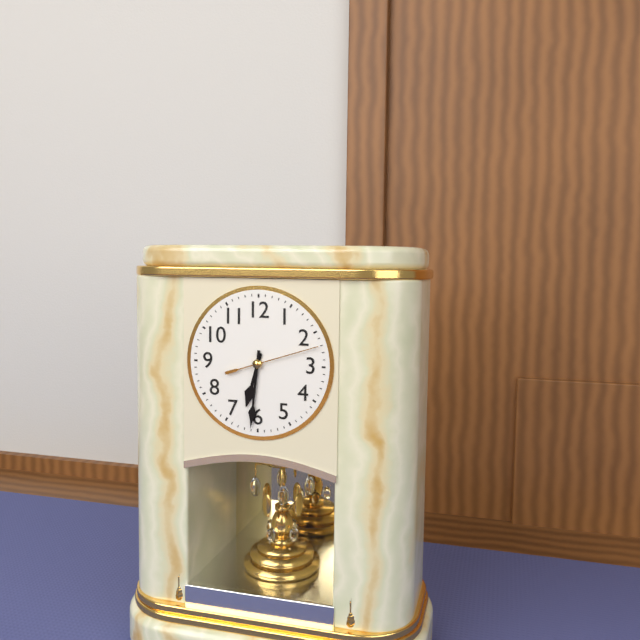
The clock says 6.31.12
